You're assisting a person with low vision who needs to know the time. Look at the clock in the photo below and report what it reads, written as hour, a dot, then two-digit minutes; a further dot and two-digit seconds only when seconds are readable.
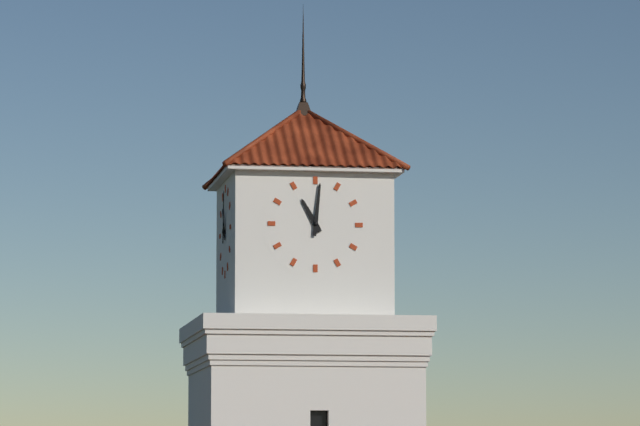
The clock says 11.01
